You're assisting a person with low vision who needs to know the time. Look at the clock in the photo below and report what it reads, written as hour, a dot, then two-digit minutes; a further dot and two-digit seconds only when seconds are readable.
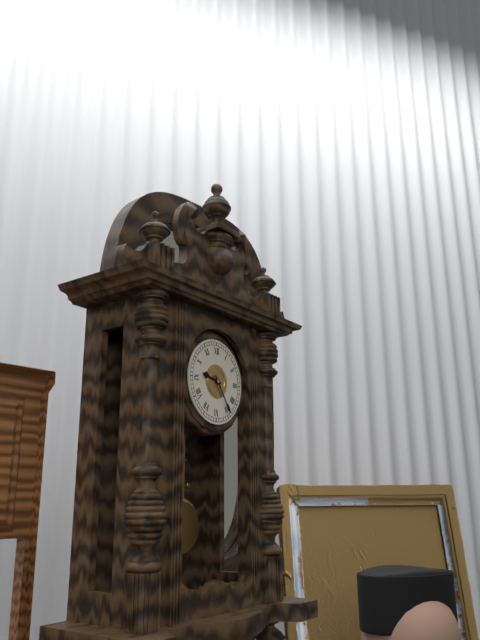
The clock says 9.24
